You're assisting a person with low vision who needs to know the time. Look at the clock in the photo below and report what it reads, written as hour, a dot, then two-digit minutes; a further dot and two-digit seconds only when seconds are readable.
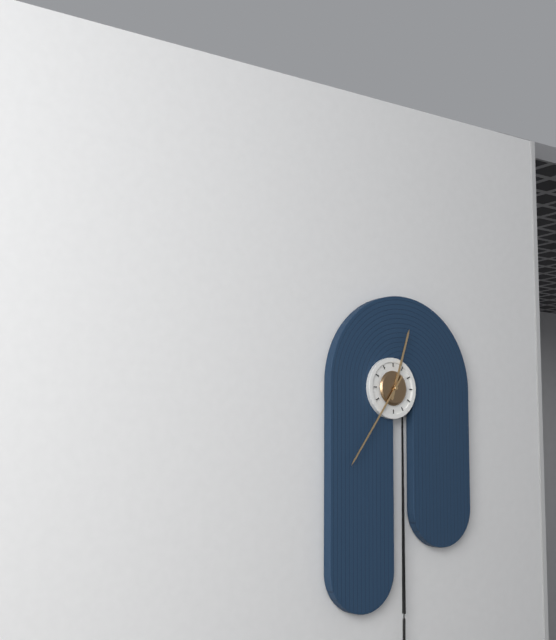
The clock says 12.36
